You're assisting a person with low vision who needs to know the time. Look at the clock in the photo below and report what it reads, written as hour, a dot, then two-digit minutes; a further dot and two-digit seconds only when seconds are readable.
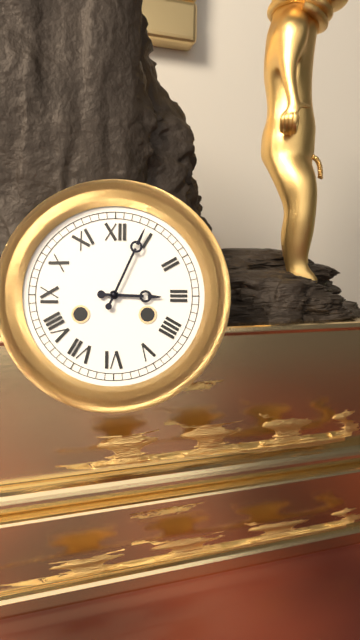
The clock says 3.04
